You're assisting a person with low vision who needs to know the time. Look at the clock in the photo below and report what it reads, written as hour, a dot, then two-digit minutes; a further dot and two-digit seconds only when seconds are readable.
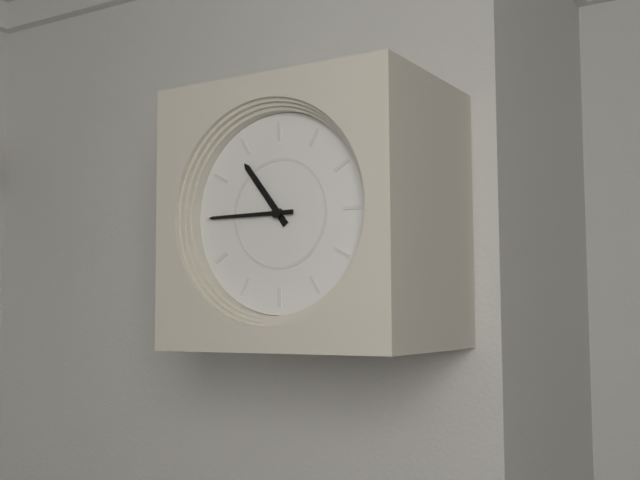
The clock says 10.45
